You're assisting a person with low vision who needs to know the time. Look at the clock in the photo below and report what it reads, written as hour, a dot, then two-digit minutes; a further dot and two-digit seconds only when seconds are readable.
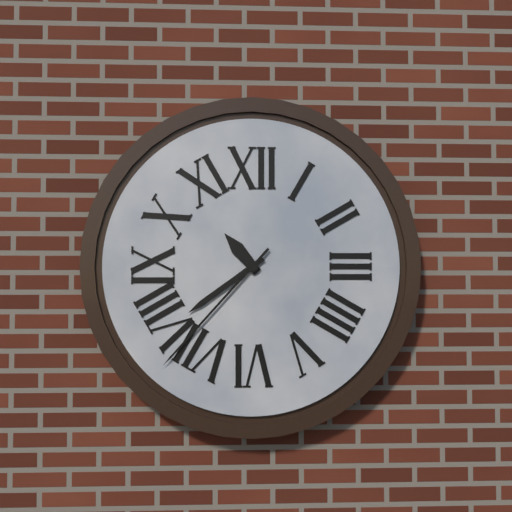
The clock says 10.39.37
